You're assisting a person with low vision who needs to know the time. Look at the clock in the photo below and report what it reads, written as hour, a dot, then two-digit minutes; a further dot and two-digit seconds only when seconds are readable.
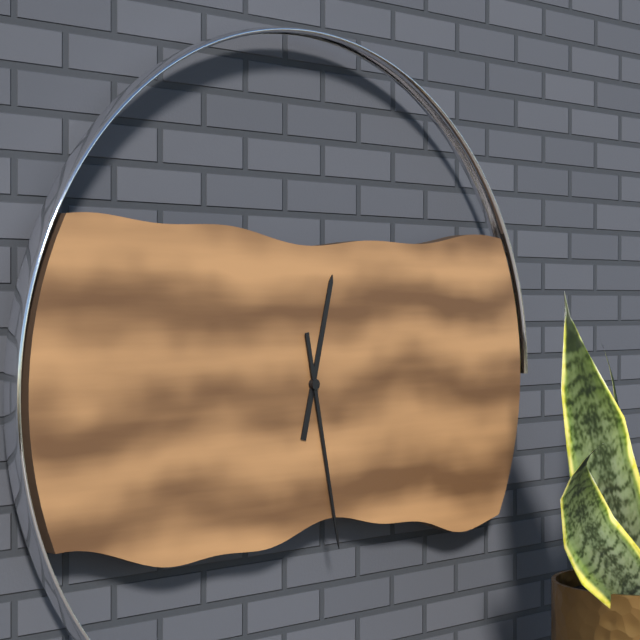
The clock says 12.28
